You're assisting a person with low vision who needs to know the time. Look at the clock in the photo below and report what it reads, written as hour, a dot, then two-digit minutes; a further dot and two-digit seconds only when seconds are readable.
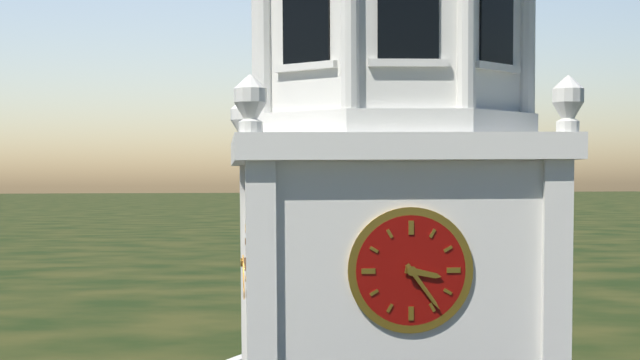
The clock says 3.24
